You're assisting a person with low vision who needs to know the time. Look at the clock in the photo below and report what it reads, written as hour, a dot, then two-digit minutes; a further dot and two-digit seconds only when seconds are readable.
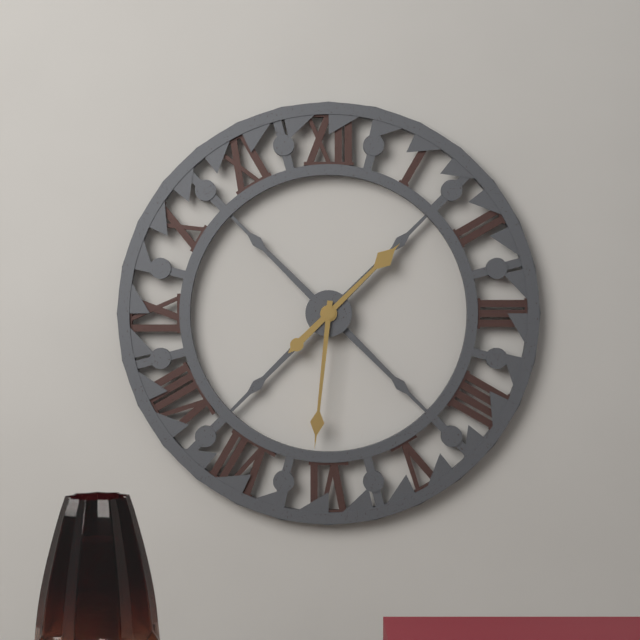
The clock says 1.31
